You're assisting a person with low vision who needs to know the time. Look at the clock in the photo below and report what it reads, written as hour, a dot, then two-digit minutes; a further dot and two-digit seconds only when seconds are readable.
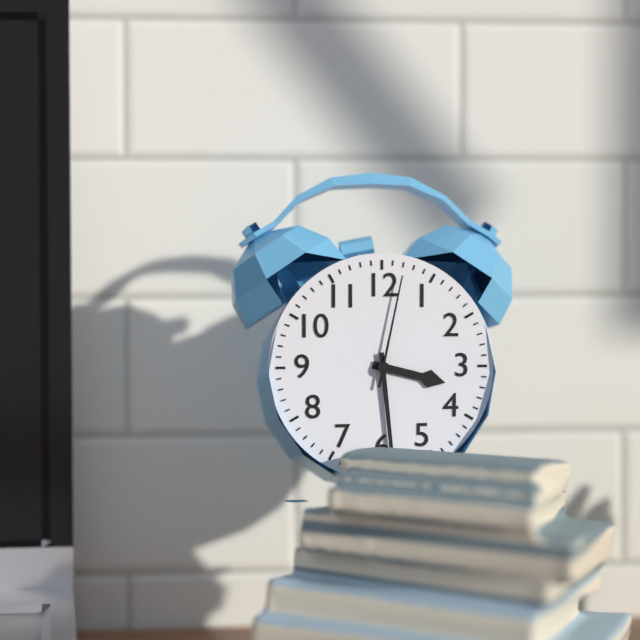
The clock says 3.29.02
